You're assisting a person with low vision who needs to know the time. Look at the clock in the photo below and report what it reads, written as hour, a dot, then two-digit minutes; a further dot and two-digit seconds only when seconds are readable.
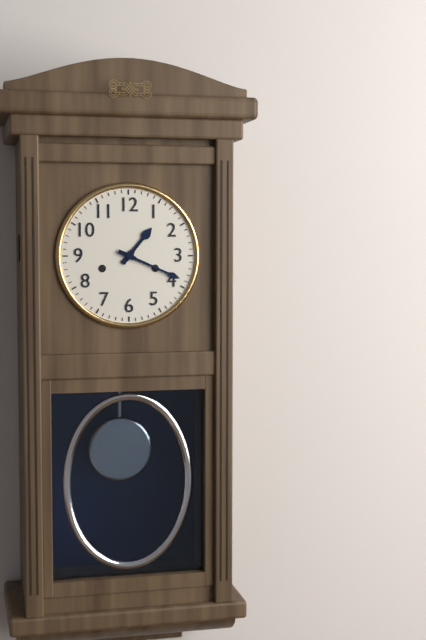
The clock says 1.19
